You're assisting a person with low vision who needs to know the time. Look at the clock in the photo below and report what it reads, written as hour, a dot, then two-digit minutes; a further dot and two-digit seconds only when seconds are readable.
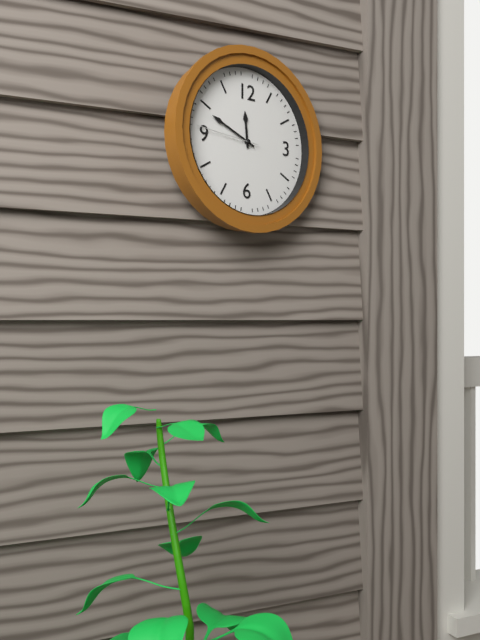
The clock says 11.49.46
